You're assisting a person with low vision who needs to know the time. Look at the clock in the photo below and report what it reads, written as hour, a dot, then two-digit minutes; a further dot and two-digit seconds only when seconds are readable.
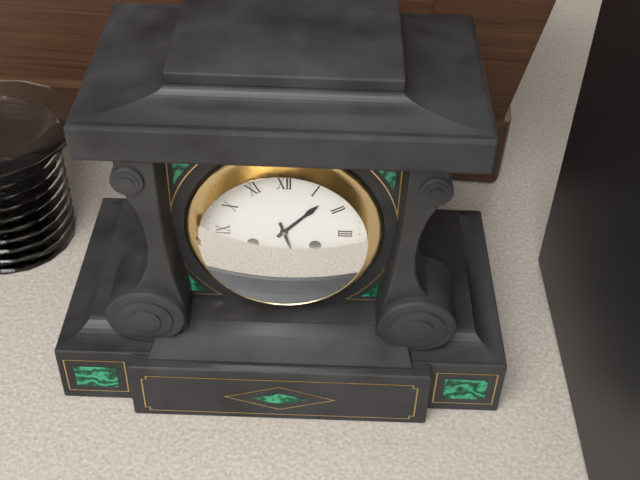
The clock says 1.27
